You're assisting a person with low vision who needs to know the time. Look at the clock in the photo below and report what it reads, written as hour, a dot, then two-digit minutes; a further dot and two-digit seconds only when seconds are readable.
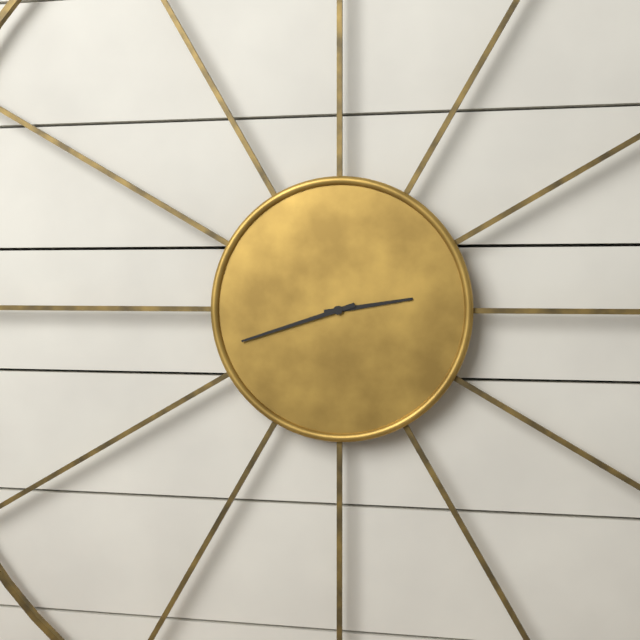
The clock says 2.42
